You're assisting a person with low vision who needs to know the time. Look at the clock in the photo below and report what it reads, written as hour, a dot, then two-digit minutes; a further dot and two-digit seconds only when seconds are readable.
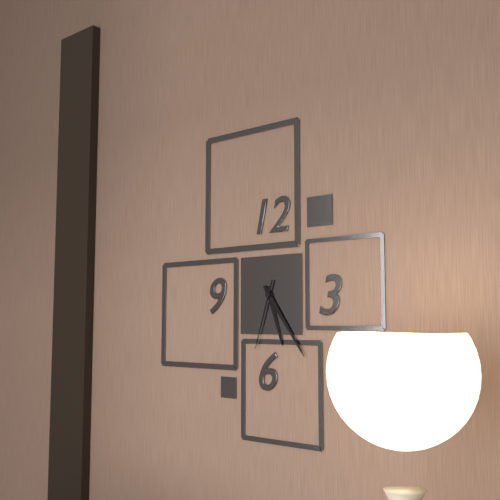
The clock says 5.24.33
